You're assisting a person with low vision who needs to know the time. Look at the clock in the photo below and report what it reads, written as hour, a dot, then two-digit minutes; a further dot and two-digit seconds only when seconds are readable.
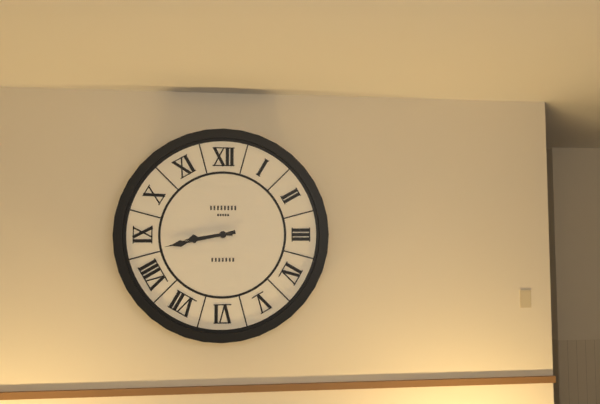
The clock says 8.43
